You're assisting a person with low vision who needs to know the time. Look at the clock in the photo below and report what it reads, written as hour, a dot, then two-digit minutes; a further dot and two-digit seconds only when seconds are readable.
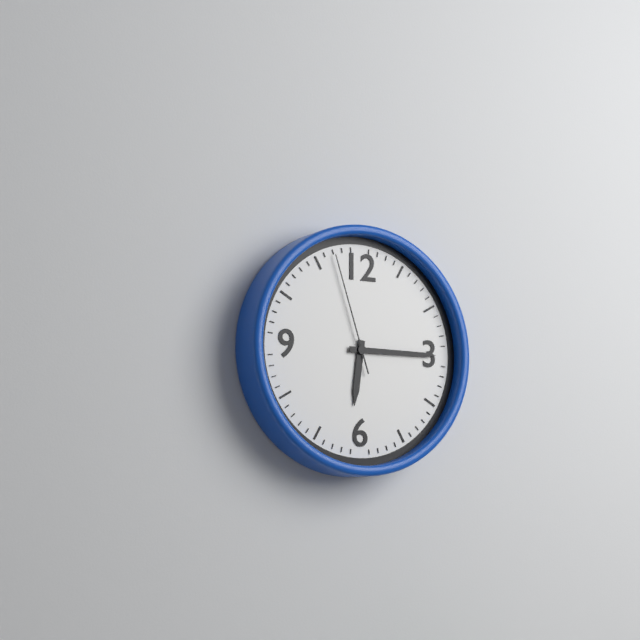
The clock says 6.15.57
